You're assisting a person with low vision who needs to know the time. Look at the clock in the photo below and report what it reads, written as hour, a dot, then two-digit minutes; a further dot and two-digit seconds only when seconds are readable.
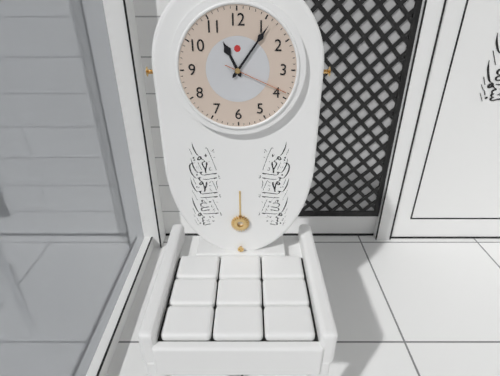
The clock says 11.06.19
